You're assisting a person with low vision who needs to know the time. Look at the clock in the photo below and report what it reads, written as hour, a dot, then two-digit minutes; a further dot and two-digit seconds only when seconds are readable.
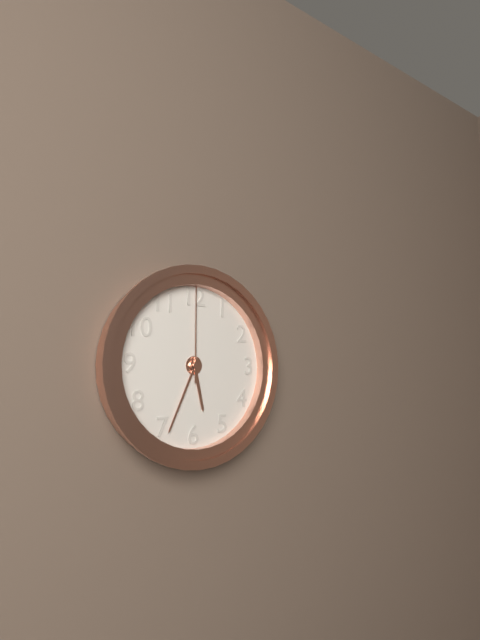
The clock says 5.34.00
